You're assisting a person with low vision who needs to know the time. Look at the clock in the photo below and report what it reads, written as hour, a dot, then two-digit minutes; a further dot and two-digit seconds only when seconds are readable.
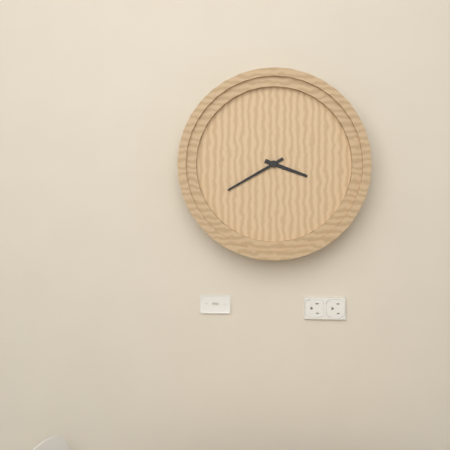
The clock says 3.40
